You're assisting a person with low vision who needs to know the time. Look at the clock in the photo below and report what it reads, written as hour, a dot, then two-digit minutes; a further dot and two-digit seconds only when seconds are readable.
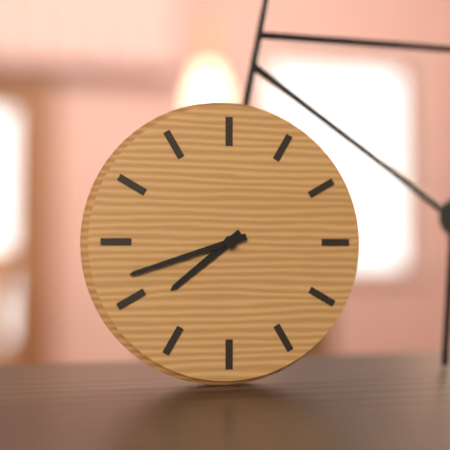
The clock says 7.42
